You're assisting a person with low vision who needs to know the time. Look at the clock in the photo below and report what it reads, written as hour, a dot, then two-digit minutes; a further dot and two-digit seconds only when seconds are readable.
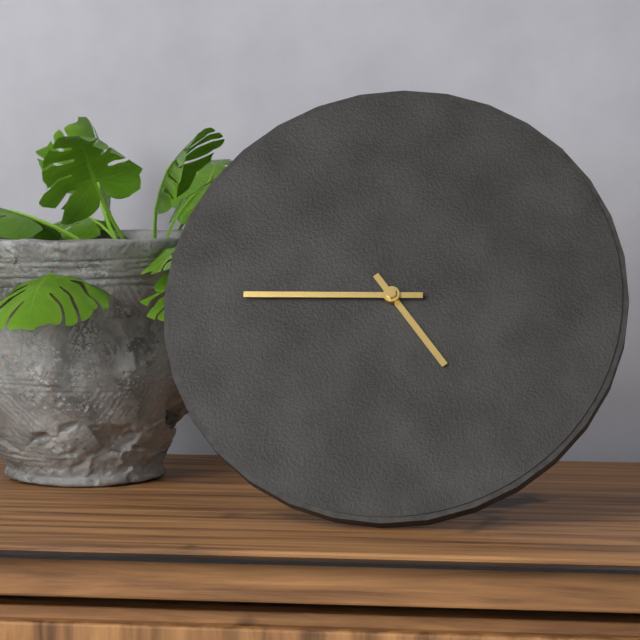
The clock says 4.45
